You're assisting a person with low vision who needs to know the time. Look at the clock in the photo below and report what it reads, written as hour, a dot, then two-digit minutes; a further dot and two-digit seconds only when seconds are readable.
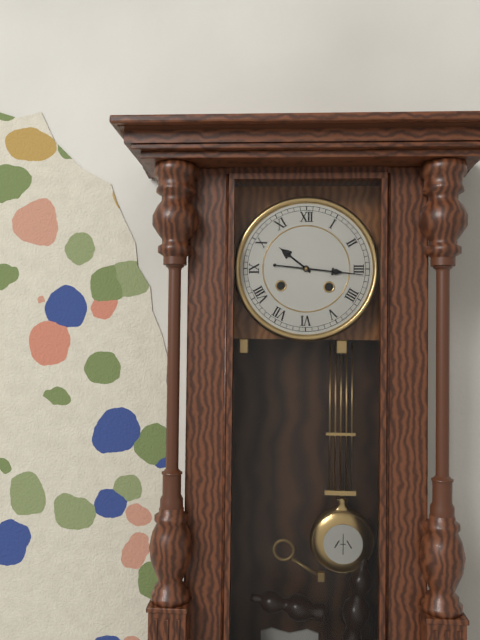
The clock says 10.16
